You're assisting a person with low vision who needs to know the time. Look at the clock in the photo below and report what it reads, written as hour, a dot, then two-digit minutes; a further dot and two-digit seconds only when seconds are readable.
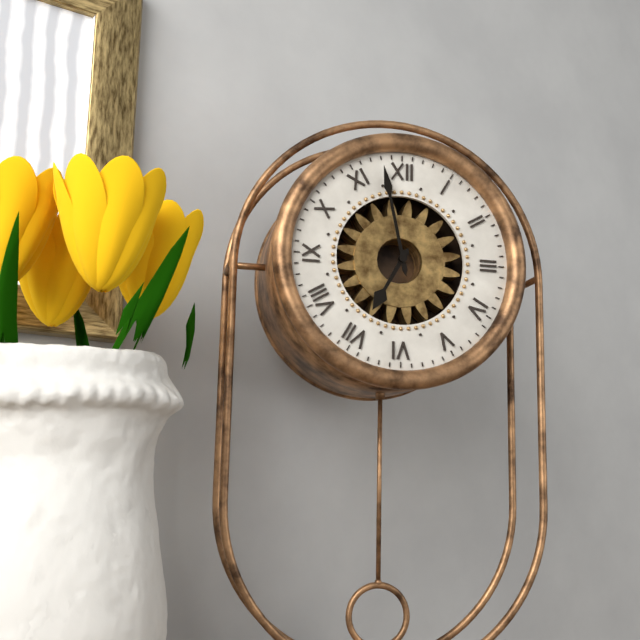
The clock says 6.58
